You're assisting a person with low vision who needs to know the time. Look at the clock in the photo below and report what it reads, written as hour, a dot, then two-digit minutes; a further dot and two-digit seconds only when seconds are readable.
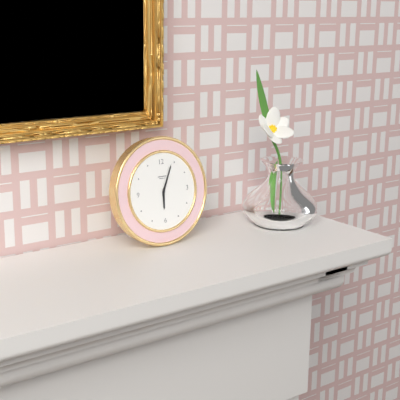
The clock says 6.04
